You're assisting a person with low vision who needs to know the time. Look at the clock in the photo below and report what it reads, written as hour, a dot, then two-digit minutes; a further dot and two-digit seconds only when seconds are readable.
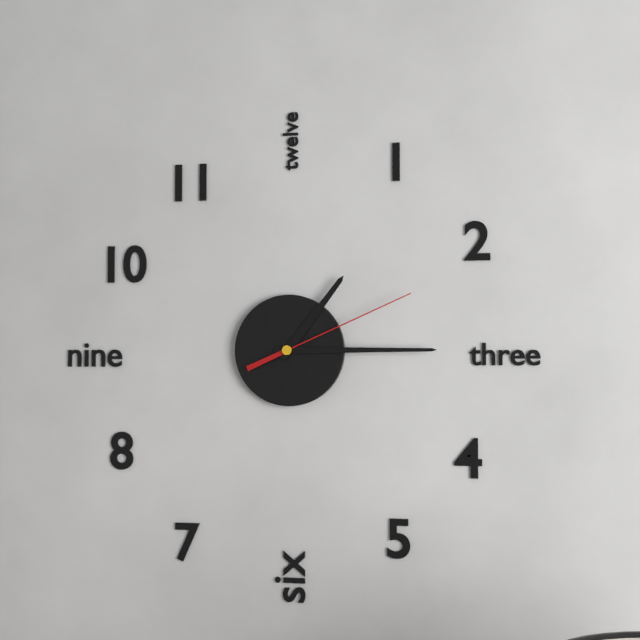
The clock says 1.15.11
